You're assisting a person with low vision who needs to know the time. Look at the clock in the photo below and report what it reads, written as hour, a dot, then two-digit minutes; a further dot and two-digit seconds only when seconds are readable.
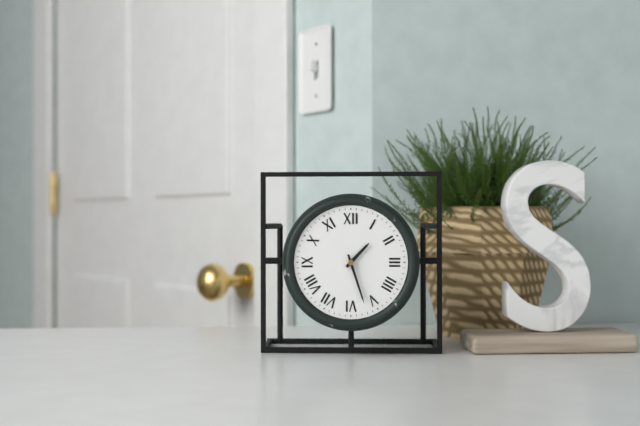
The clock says 1.27
